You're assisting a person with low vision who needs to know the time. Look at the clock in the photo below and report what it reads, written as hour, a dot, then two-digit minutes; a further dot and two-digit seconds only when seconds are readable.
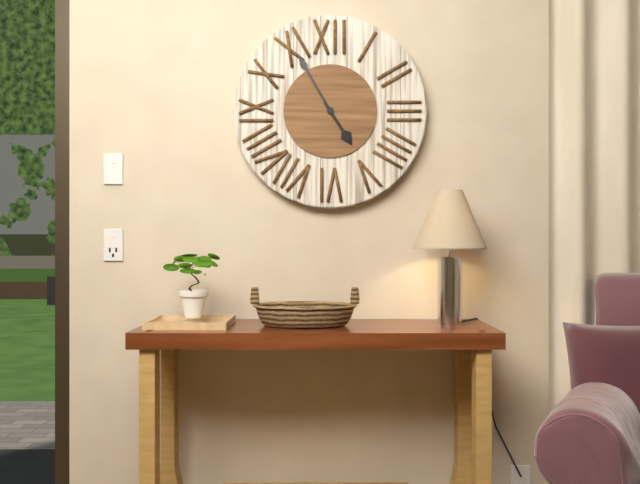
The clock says 4.55
